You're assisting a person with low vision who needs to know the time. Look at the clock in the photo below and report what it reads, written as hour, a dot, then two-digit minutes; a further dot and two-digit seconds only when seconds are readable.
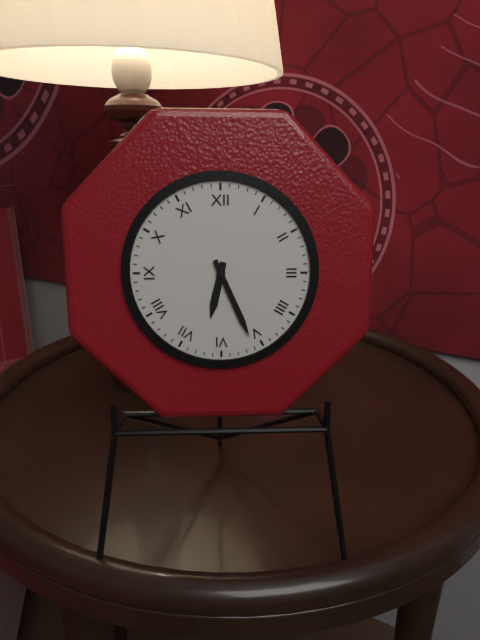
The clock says 6.26
